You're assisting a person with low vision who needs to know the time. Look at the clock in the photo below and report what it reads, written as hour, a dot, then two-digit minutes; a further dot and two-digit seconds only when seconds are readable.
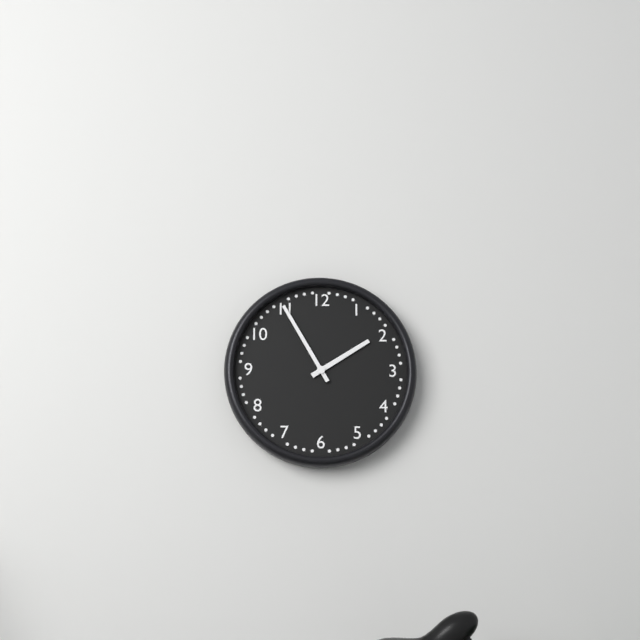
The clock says 1.55
